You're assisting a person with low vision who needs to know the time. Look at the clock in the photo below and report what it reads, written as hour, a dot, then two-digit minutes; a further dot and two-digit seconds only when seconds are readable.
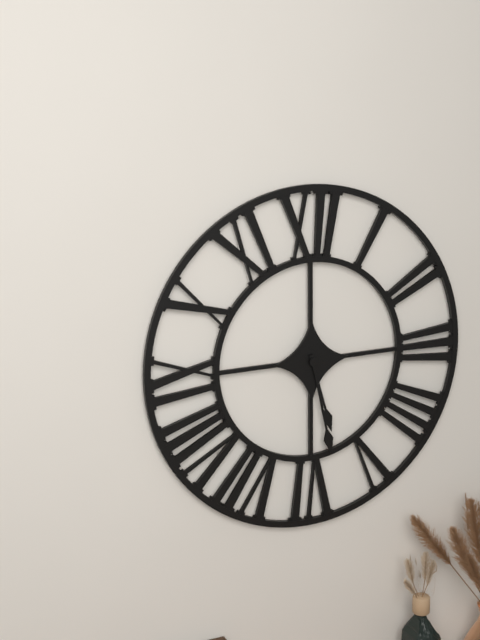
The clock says 5.28
